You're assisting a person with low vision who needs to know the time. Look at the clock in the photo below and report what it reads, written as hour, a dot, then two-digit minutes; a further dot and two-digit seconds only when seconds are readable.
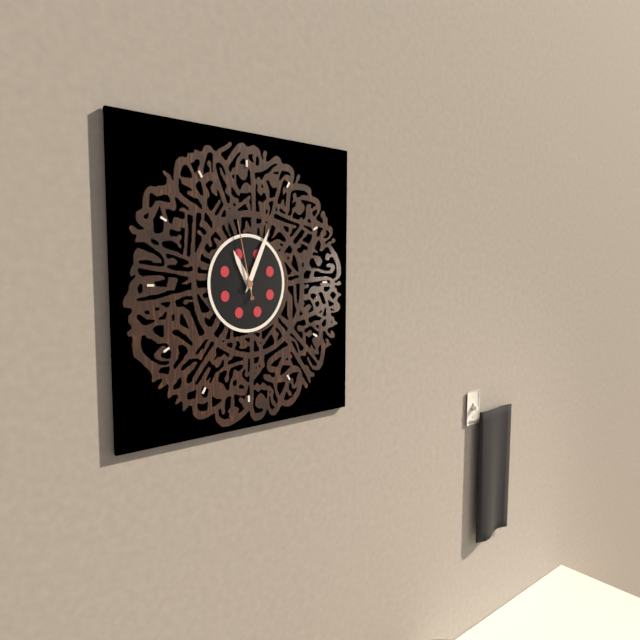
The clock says 11.04.58
